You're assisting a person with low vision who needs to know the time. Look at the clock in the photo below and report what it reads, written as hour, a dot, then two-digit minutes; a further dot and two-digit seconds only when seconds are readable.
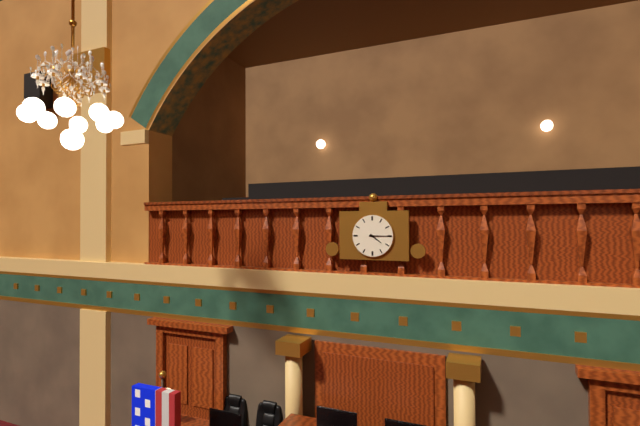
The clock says 4.15
